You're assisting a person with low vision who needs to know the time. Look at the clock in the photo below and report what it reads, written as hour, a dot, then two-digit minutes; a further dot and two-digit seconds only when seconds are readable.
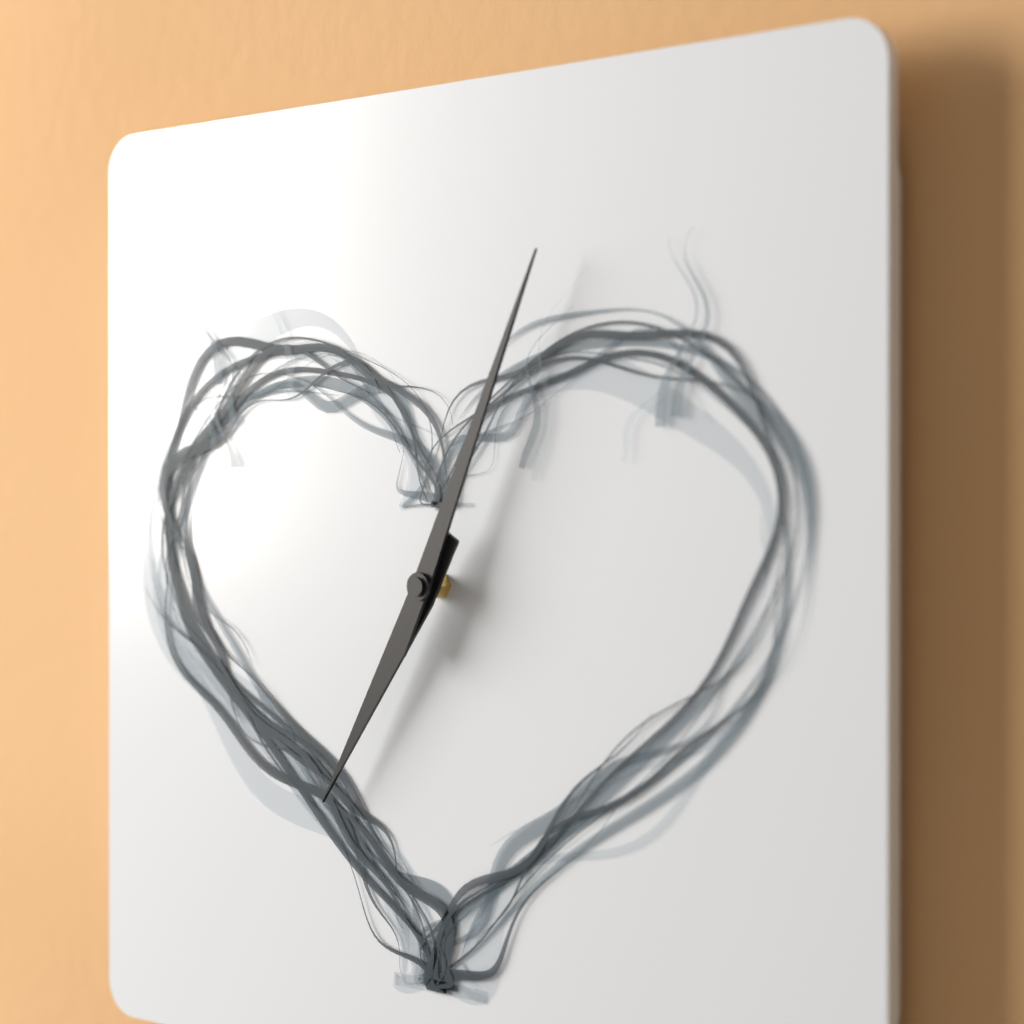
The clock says 7.04
